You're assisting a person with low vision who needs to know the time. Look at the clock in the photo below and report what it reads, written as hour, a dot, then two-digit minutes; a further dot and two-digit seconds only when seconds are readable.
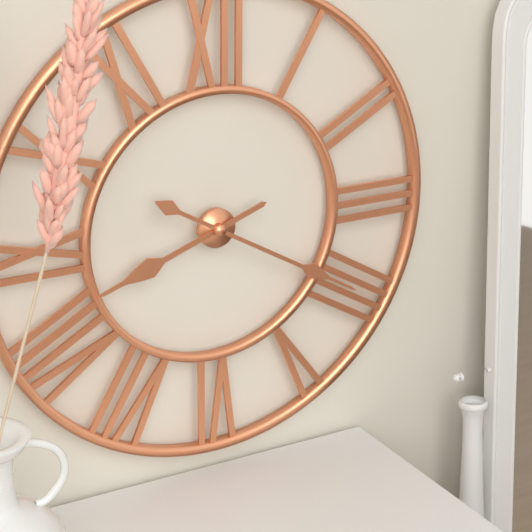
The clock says 8.20
